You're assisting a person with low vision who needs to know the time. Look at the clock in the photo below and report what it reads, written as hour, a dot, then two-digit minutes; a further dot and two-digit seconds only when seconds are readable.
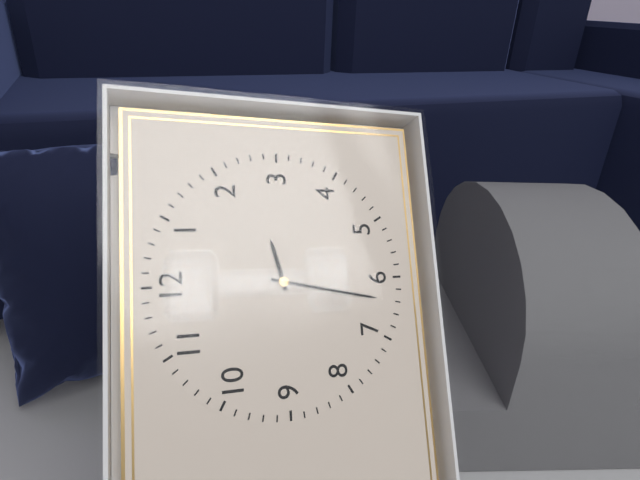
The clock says 2.32
